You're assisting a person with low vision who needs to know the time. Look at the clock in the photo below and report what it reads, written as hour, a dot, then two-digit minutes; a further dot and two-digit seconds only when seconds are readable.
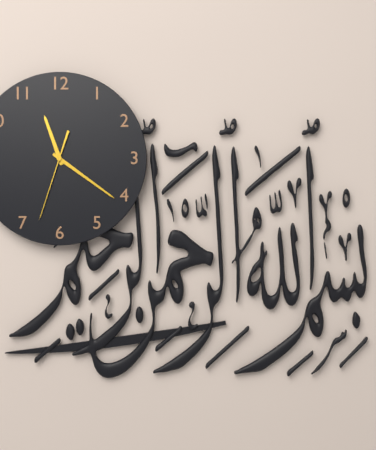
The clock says 11.21.33
